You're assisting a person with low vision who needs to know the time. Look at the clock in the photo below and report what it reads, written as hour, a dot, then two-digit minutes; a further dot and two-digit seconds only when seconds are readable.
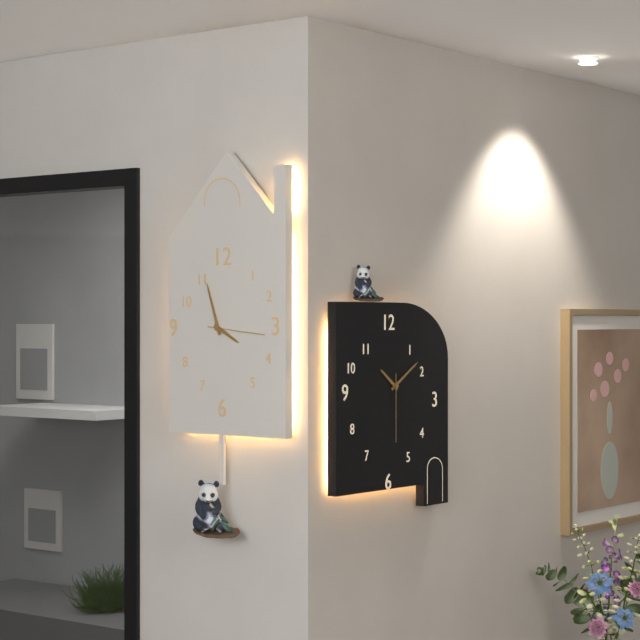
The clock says 3.57.16
